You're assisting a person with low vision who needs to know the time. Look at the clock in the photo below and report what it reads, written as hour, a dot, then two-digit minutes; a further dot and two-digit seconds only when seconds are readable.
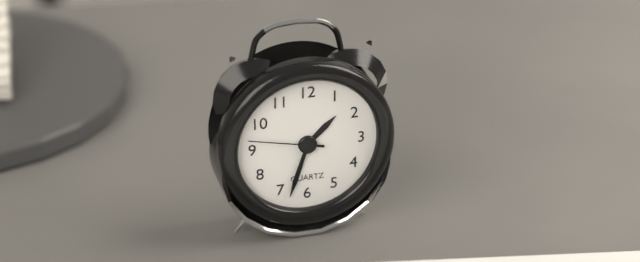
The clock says 1.33.47
